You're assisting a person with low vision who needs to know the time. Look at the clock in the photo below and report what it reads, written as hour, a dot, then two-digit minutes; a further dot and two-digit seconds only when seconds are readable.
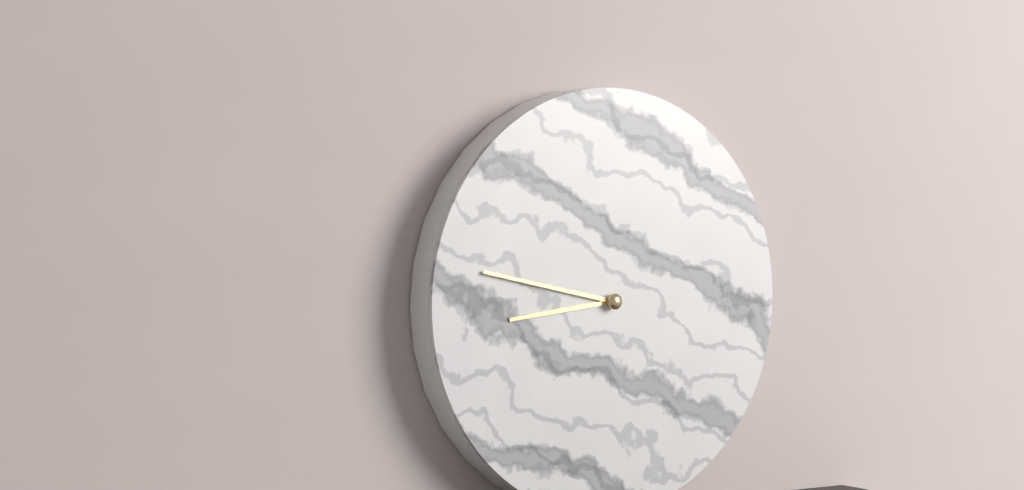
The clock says 8.47
